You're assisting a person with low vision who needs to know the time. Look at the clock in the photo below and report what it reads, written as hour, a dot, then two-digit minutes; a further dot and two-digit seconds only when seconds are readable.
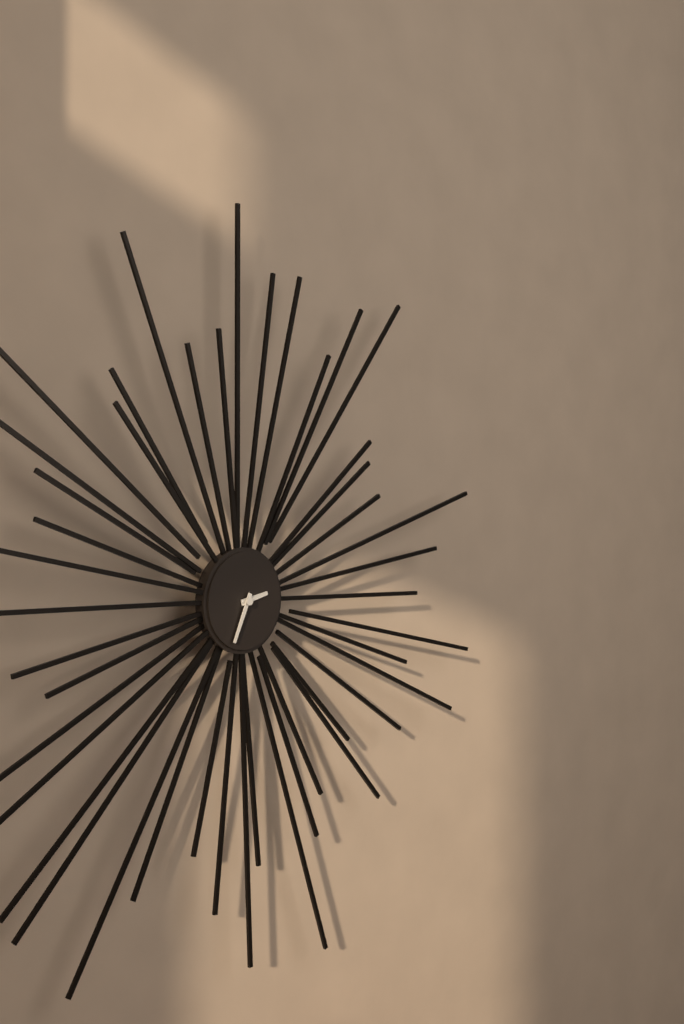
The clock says 2.34
